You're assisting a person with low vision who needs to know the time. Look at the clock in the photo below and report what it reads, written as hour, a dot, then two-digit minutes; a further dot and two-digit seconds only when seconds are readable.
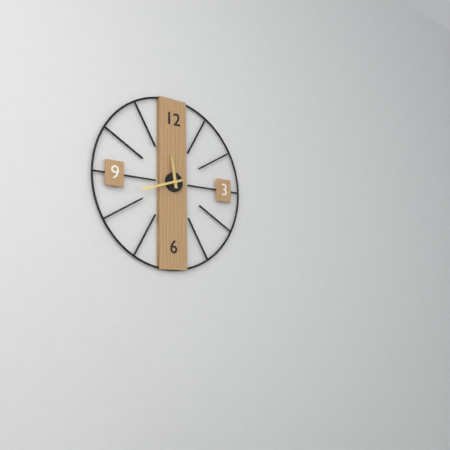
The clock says 11.42
